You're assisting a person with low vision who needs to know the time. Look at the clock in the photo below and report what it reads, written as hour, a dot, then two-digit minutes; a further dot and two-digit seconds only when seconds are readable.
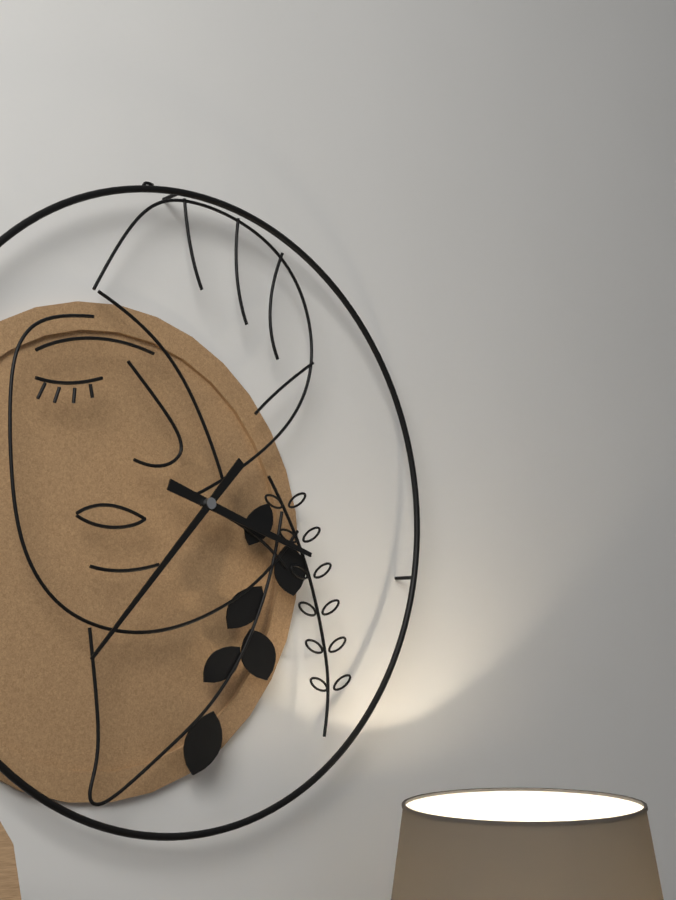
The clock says 3.37
